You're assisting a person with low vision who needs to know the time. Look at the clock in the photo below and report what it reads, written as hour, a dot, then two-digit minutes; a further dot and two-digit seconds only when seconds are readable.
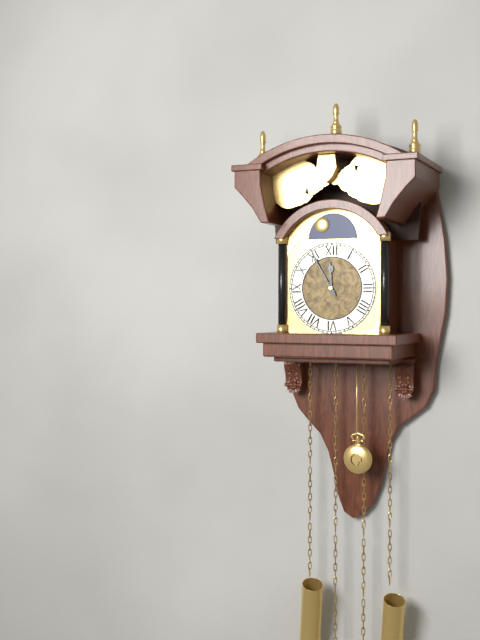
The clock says 11.55
